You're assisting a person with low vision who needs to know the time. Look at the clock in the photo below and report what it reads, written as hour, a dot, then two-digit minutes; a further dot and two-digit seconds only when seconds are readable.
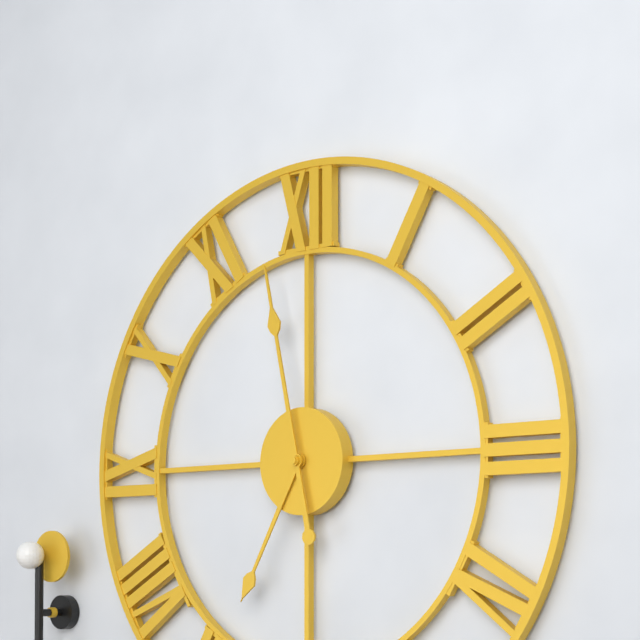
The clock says 6.58
